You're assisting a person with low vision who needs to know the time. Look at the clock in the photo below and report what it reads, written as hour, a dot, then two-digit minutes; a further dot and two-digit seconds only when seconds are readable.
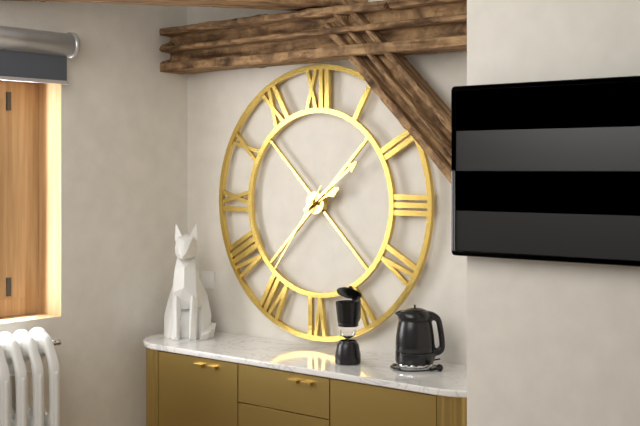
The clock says 2.09.36
